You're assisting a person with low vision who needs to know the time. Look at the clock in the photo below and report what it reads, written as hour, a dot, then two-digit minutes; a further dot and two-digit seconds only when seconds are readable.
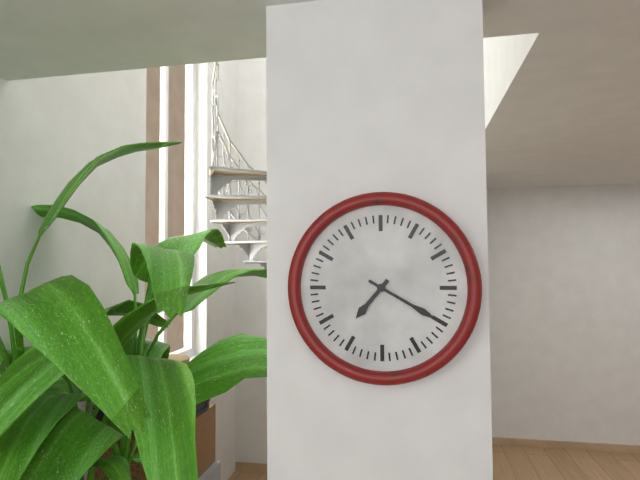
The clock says 7.20
